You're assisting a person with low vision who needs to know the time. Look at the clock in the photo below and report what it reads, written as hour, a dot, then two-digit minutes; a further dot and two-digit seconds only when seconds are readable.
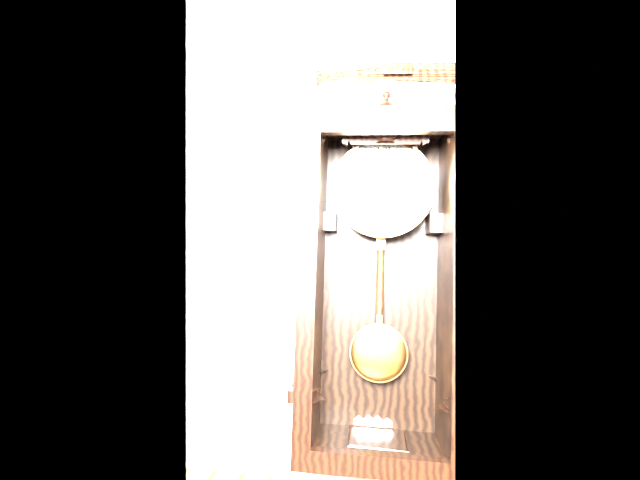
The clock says 5.28
